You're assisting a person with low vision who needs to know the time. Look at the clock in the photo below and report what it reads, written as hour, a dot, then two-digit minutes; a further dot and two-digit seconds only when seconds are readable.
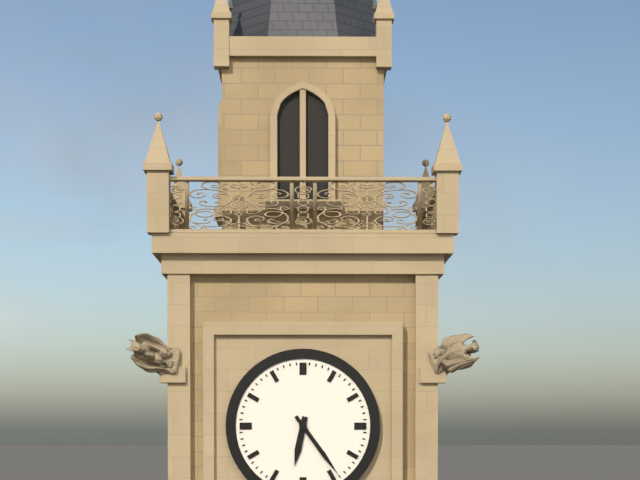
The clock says 6.24
